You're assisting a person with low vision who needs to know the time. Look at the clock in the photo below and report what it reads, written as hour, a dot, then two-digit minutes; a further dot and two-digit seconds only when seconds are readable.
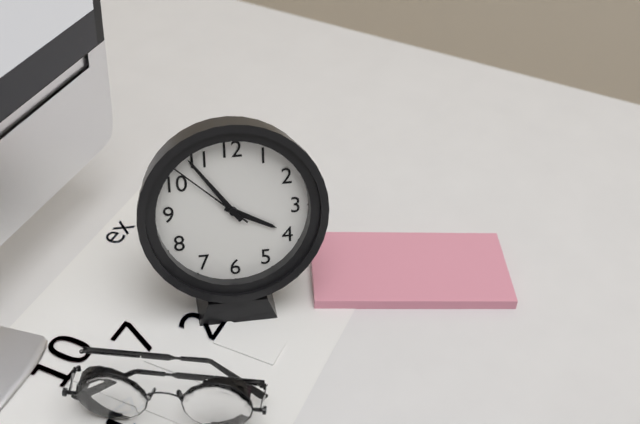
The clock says 3.54.52
